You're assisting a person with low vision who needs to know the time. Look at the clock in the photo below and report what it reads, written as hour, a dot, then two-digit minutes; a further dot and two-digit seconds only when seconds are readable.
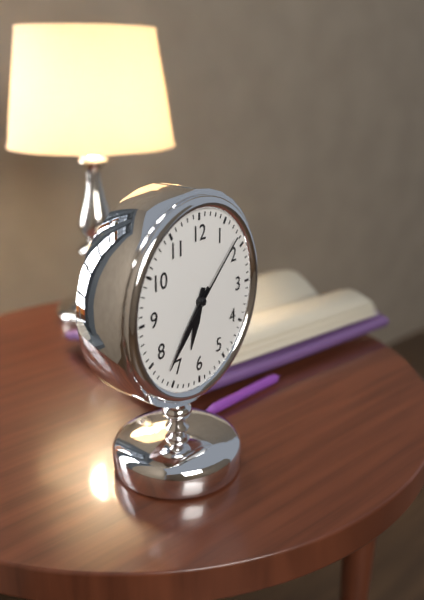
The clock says 6.37.08
